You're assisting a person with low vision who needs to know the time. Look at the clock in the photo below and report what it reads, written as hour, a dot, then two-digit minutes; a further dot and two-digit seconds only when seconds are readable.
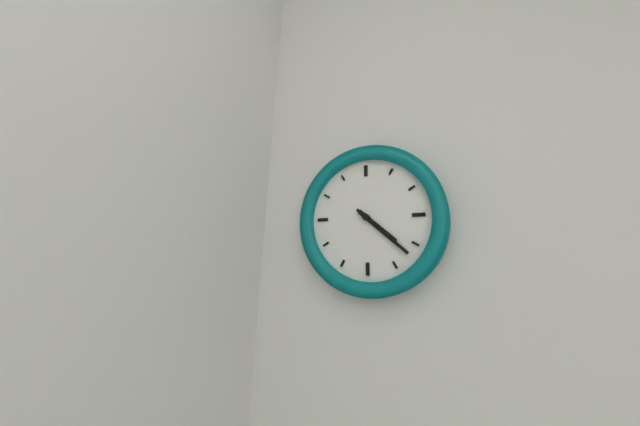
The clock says 4.22
